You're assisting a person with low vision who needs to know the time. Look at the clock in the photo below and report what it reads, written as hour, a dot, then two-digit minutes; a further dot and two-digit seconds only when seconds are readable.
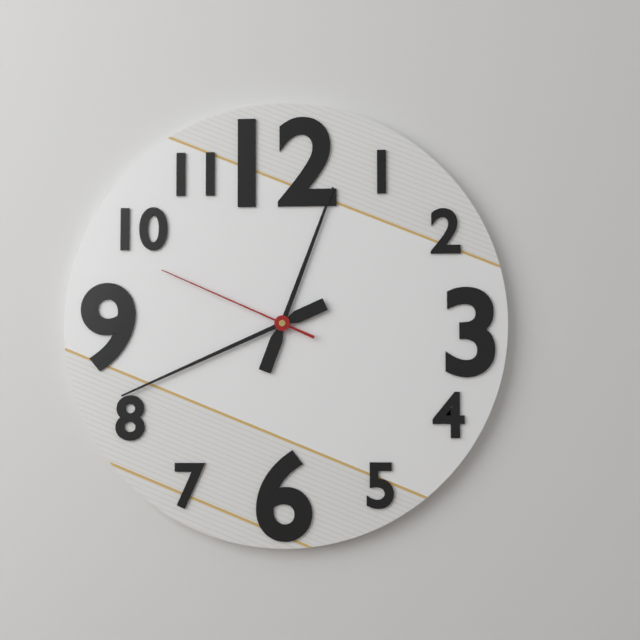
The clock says 12.41.49
